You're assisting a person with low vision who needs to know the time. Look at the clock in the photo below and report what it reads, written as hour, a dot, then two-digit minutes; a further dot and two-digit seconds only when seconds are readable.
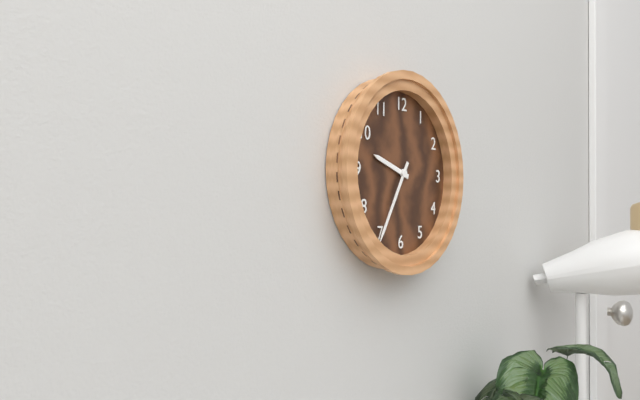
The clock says 9.35
